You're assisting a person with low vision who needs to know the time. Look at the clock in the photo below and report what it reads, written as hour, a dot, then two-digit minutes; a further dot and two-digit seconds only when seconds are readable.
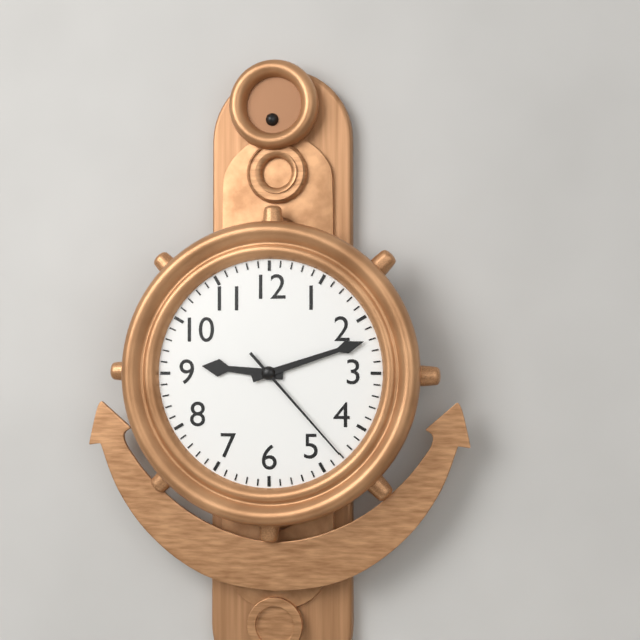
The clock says 9.12.23
